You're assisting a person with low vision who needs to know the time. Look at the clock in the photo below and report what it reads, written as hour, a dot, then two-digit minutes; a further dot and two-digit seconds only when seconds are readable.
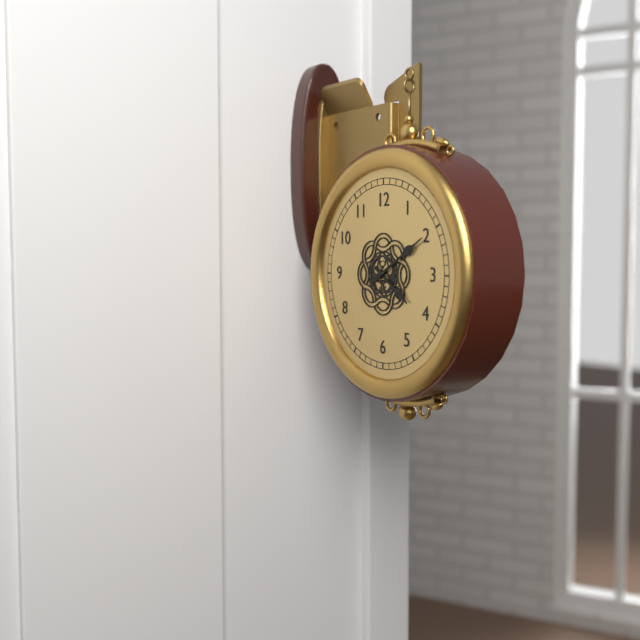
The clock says 4.10
